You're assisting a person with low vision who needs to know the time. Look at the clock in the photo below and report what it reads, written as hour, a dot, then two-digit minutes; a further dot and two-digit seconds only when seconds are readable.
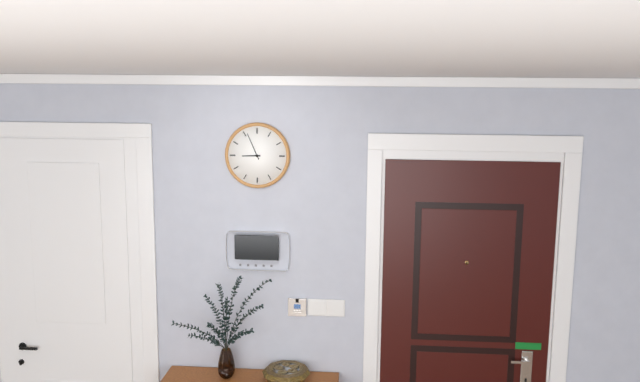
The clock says 8.56
